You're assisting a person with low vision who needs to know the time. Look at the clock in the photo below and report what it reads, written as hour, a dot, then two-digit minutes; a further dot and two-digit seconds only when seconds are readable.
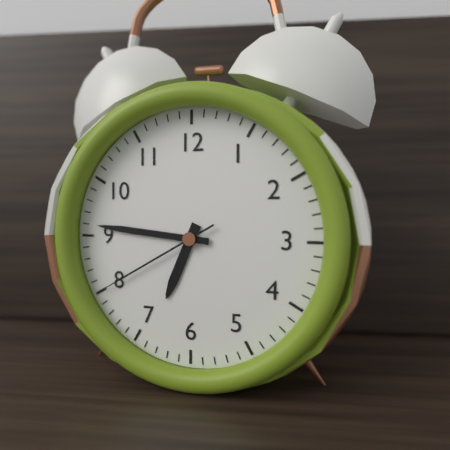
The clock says 6.46.40
